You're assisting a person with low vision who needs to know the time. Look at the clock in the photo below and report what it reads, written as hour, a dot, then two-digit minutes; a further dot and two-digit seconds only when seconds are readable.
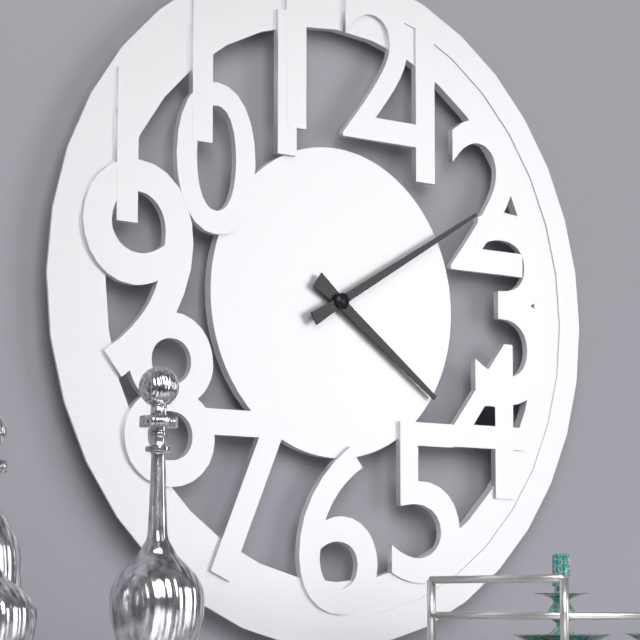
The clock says 4.10
